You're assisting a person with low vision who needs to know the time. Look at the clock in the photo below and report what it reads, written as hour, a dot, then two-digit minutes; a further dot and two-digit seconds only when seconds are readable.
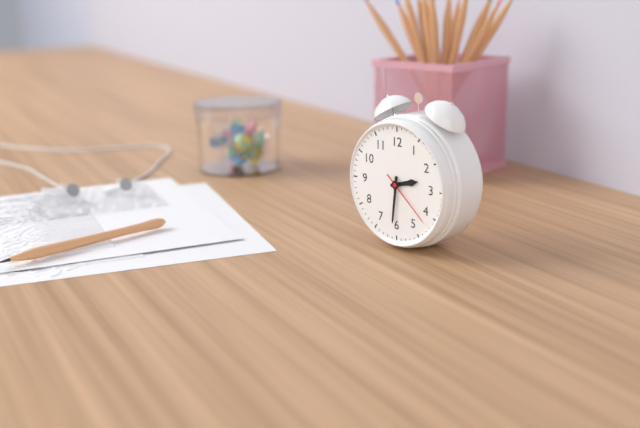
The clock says 2.31.22
